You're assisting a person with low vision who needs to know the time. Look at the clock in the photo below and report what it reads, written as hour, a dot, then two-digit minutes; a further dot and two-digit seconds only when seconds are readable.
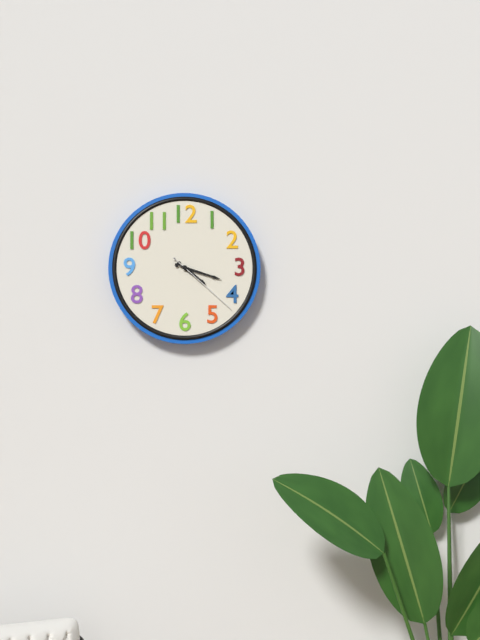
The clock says 4.18.22
